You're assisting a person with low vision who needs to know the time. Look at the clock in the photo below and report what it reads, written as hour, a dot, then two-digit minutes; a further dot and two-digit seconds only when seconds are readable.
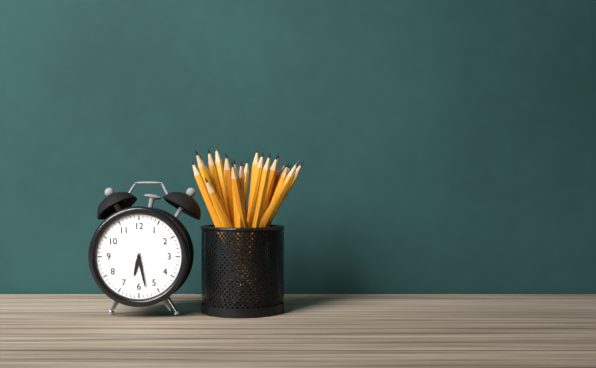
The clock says 6.28
